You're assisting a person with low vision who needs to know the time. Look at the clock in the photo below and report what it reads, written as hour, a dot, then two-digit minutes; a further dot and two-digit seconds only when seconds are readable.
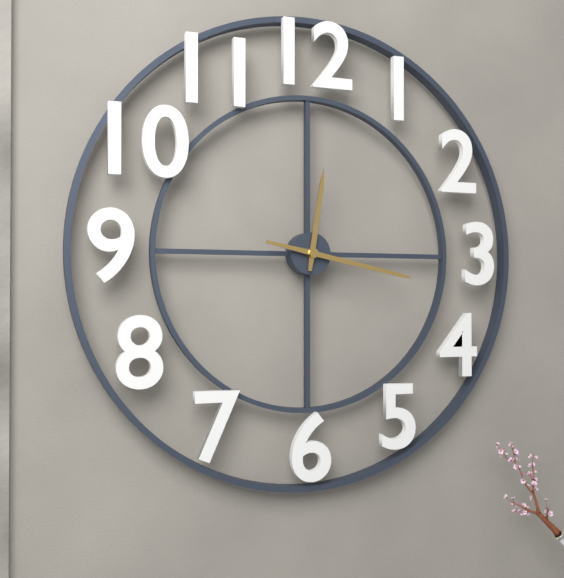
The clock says 12.17
